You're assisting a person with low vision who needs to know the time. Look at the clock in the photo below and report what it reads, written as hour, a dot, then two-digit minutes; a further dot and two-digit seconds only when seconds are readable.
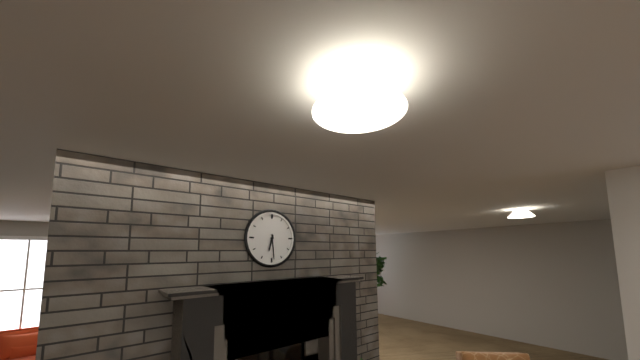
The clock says 6.29
